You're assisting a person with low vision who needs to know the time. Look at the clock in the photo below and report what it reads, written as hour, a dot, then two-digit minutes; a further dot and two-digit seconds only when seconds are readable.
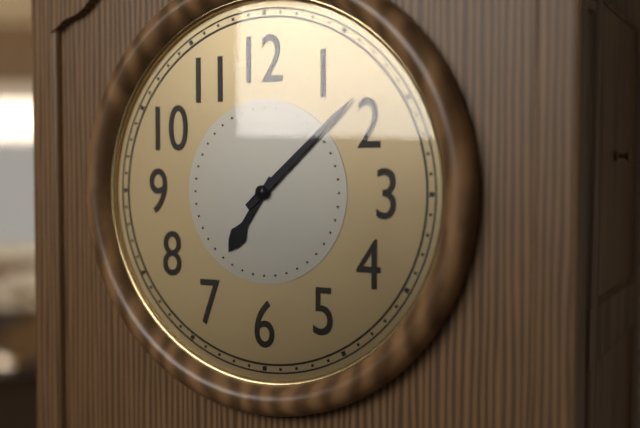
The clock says 7.08
